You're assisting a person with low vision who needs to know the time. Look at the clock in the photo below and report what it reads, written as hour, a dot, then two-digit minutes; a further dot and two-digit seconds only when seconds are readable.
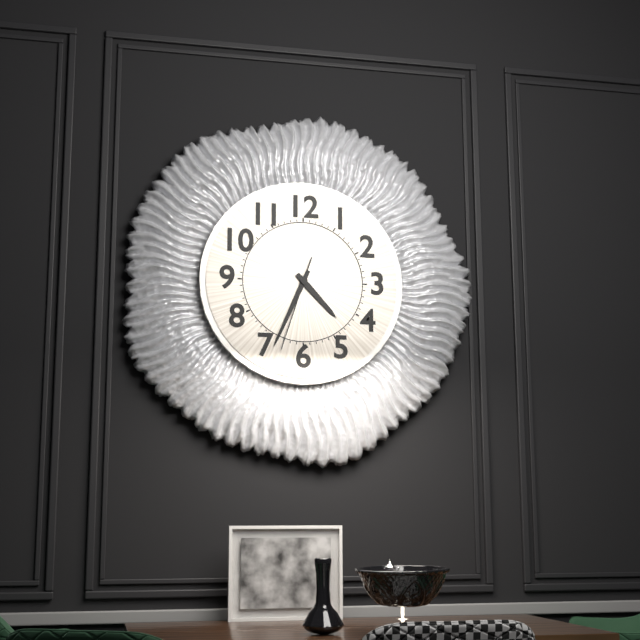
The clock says 4.34.33
